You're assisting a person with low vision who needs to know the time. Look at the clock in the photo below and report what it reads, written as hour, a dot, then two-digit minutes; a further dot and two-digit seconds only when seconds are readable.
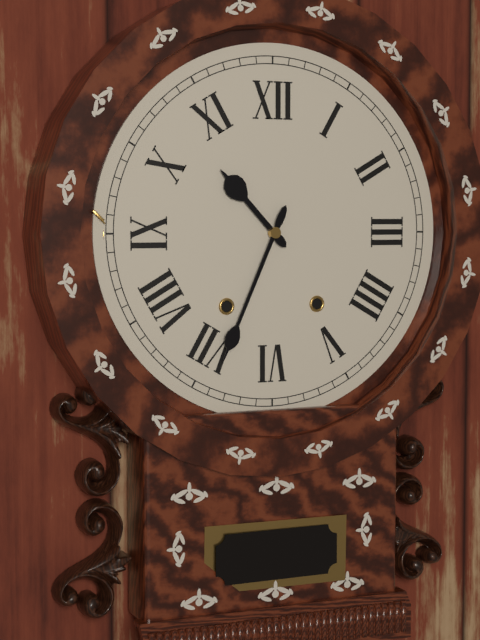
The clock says 10.34
